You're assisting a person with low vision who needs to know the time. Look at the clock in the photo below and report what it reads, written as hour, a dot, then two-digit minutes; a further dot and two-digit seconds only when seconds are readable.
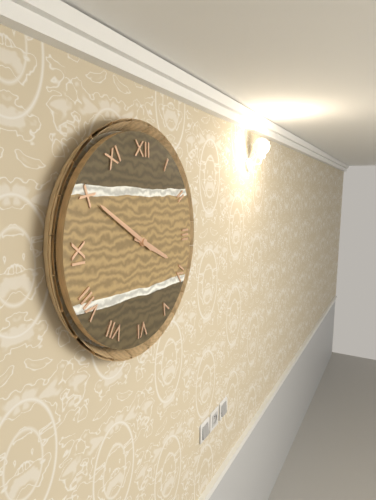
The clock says 3.50
